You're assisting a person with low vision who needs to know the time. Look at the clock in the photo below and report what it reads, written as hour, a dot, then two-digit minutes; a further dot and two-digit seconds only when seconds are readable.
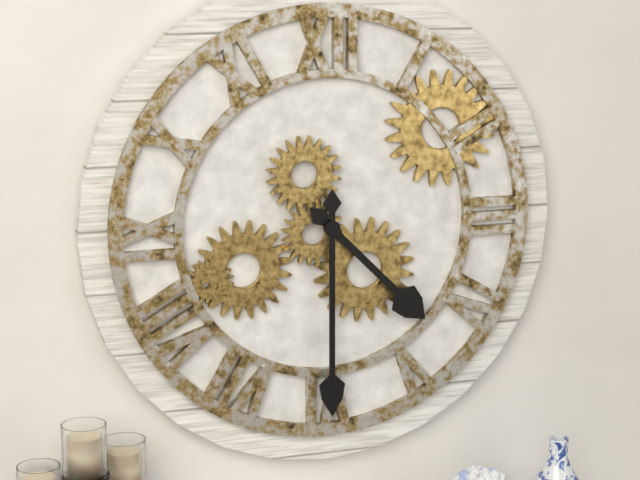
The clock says 4.30
